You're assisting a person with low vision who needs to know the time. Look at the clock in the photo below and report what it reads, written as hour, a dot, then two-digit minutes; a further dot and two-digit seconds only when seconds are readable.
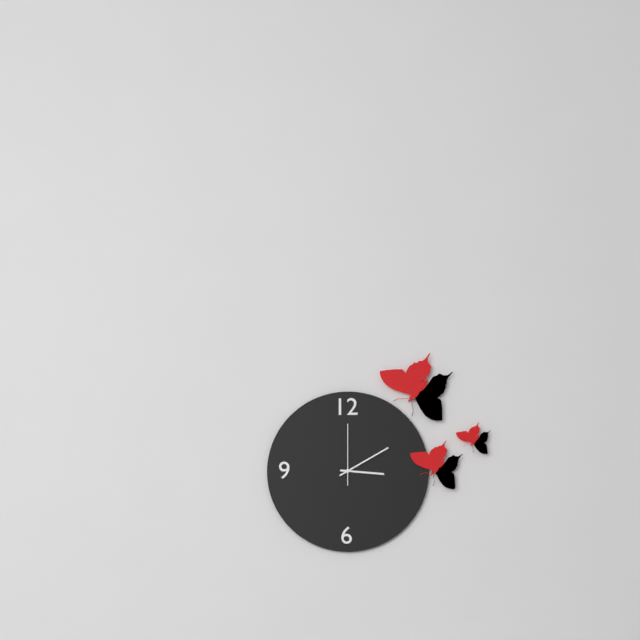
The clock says 3.10.00
